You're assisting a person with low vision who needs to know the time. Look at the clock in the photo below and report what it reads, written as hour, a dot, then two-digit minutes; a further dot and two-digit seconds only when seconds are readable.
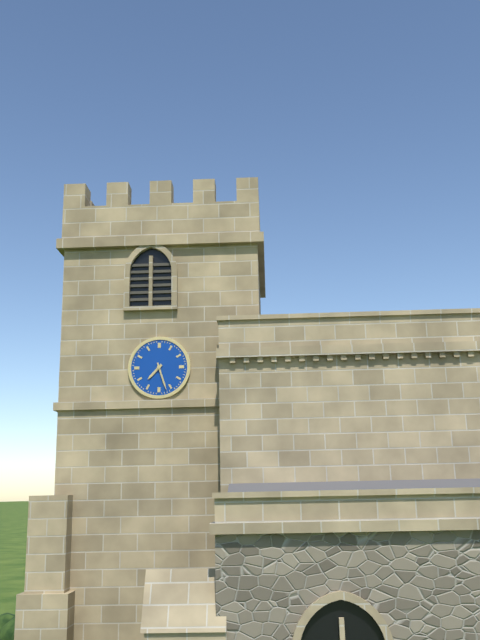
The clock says 7.27
